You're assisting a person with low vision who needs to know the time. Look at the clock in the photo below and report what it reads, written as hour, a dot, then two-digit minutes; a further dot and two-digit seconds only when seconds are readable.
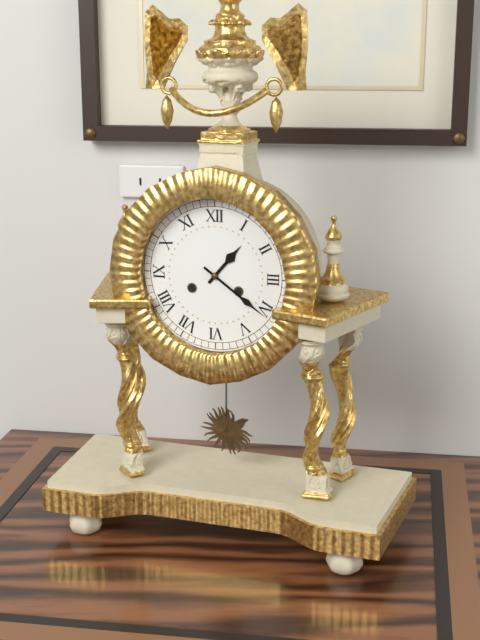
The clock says 1.21
